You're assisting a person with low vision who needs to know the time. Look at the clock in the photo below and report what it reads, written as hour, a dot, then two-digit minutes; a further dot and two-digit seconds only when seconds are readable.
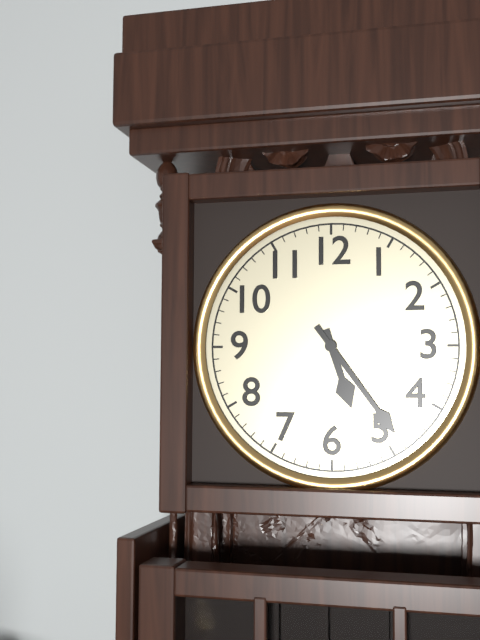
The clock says 5.24
